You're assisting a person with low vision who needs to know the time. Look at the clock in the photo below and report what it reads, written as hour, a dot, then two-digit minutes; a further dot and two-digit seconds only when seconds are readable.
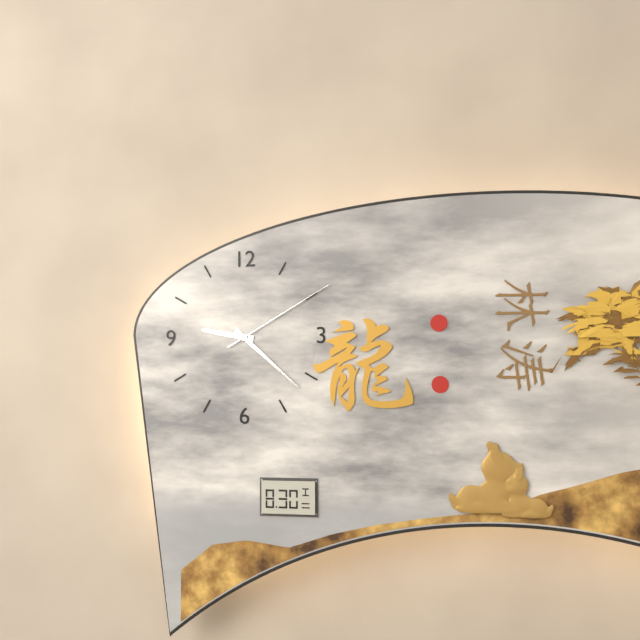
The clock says 9.22.10
